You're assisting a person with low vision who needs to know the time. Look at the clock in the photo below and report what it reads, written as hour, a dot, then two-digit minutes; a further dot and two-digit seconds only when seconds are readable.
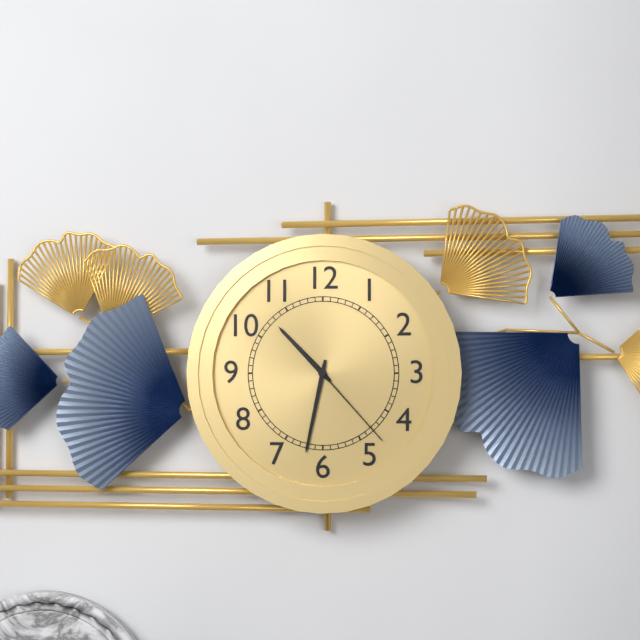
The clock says 10.32.23
